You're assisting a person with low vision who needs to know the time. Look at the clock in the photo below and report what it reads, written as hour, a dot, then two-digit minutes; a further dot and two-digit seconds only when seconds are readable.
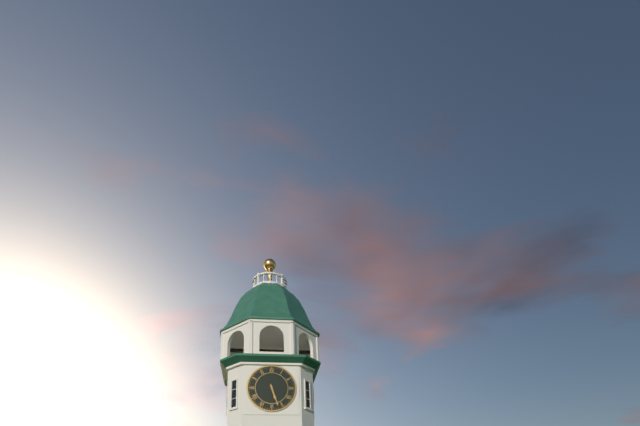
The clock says 5.27
